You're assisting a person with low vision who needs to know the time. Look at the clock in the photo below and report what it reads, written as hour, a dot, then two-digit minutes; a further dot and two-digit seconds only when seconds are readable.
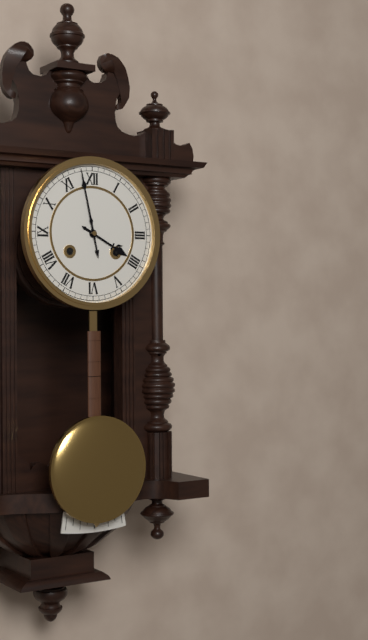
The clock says 3.58
